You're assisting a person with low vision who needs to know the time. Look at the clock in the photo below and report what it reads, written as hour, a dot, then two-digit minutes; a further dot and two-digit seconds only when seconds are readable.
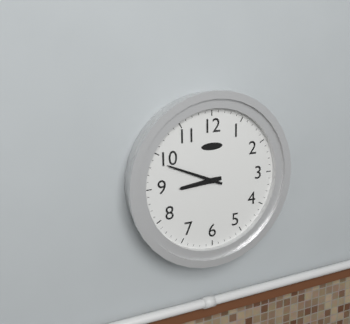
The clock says 8.49
